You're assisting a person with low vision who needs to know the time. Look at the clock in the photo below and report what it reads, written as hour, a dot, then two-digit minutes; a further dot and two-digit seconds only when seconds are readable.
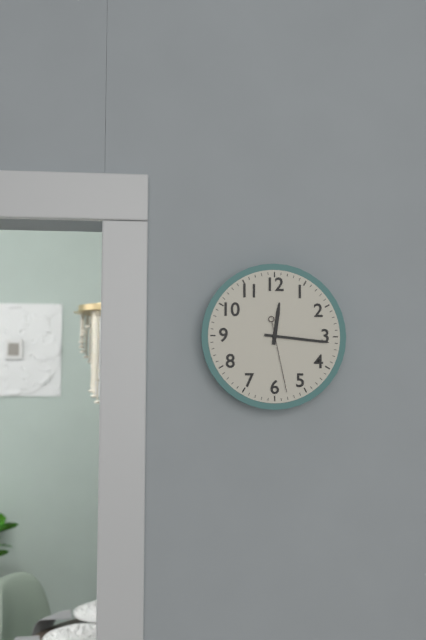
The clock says 12.16.28
